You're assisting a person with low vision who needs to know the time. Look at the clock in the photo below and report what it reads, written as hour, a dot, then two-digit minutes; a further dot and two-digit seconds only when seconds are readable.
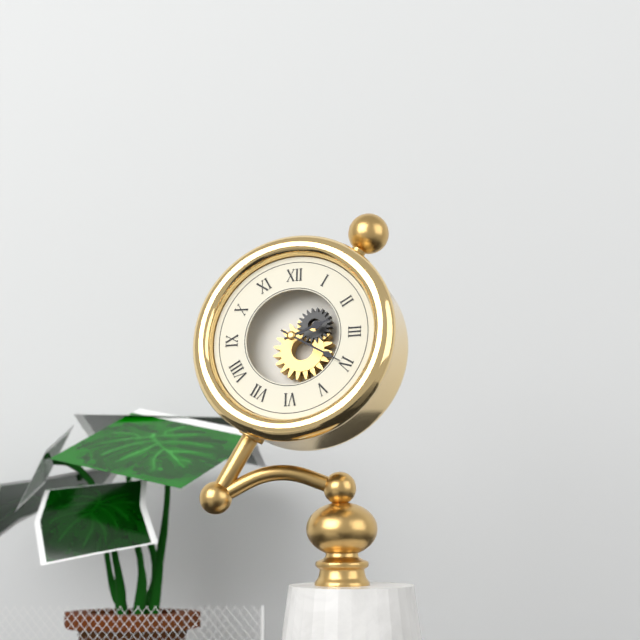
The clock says 2.20
